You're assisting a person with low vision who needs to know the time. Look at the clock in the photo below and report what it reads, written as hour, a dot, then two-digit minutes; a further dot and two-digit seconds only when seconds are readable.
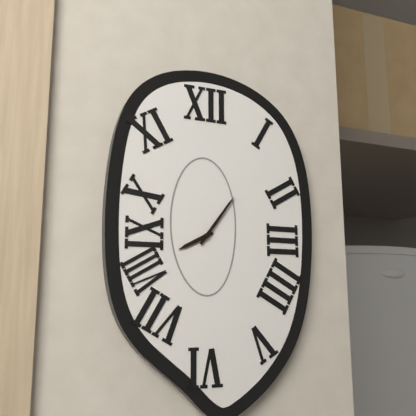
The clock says 8.06
